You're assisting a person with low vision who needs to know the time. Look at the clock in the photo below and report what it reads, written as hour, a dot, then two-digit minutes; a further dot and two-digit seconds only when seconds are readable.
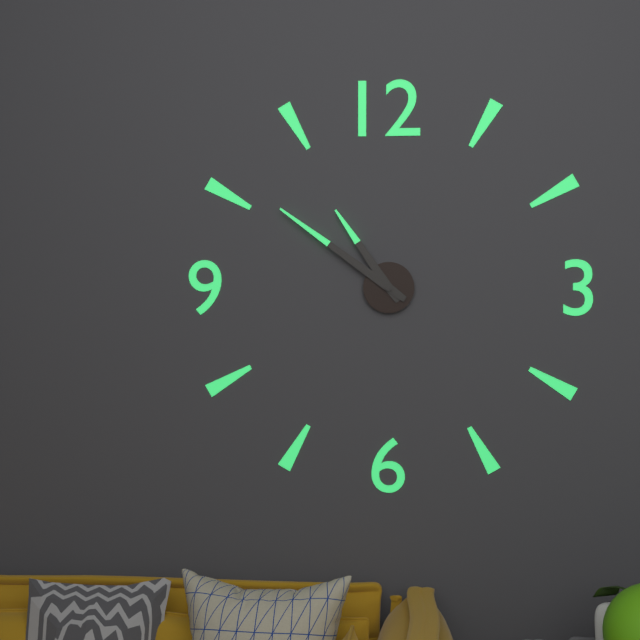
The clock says 10.51
